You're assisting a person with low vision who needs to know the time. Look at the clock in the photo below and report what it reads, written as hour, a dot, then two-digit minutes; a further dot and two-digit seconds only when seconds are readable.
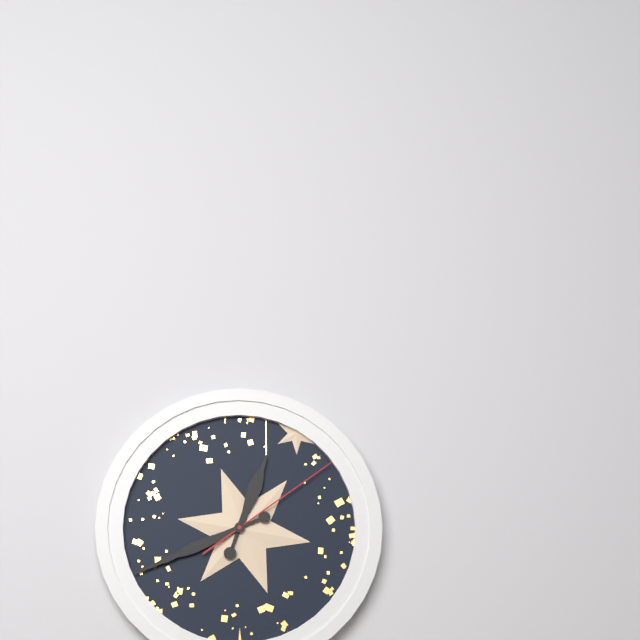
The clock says 12.41.09
